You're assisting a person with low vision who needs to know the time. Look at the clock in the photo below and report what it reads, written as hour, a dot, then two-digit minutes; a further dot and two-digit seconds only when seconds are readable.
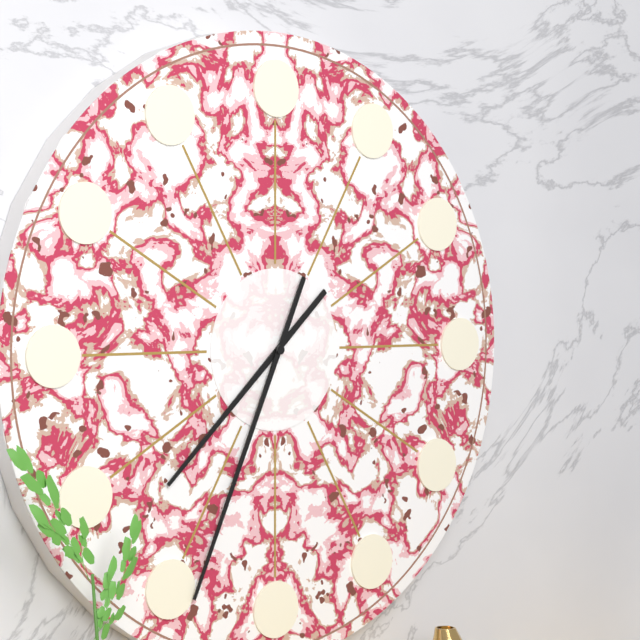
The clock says 7.34
